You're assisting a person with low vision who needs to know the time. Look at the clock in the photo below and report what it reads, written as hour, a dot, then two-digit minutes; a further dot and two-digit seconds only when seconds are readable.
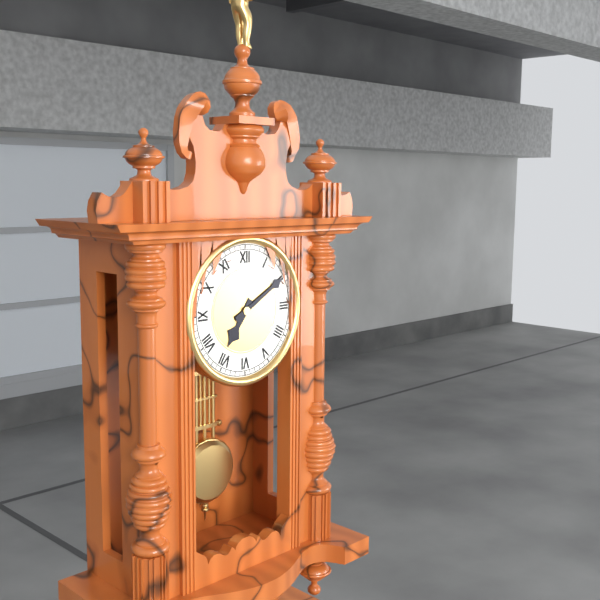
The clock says 7.10
